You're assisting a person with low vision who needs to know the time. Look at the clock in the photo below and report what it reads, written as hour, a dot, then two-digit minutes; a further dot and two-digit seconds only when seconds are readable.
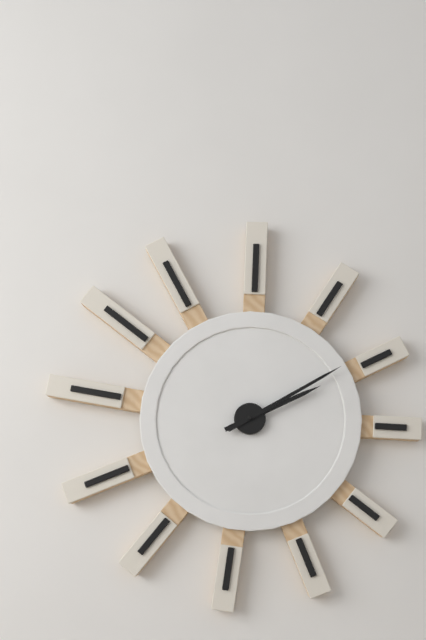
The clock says 2.10
